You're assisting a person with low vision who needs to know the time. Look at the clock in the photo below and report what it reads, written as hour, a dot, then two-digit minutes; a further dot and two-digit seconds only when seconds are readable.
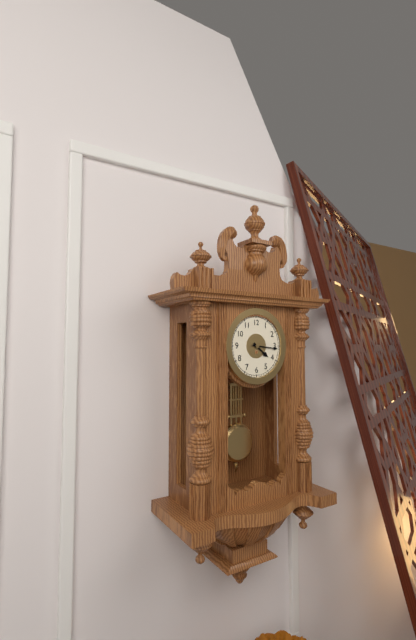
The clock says 4.16
